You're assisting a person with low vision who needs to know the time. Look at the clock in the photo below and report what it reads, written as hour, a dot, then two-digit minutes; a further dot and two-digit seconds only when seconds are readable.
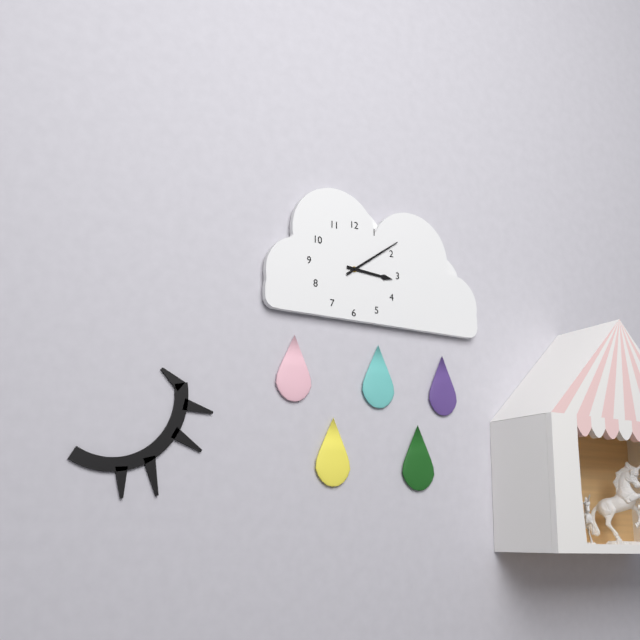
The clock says 3.09
